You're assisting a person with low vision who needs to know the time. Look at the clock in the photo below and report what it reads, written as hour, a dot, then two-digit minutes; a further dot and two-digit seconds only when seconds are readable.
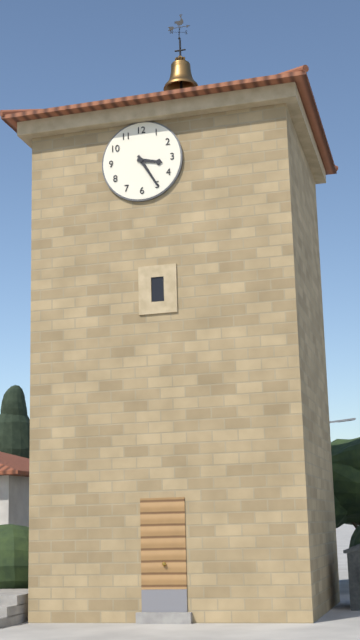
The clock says 3.25
